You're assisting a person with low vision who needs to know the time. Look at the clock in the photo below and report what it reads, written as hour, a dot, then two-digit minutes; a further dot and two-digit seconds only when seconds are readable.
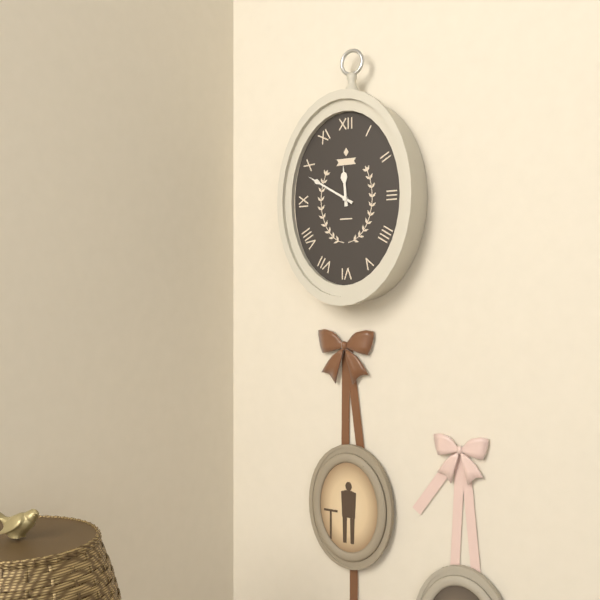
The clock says 11.50
